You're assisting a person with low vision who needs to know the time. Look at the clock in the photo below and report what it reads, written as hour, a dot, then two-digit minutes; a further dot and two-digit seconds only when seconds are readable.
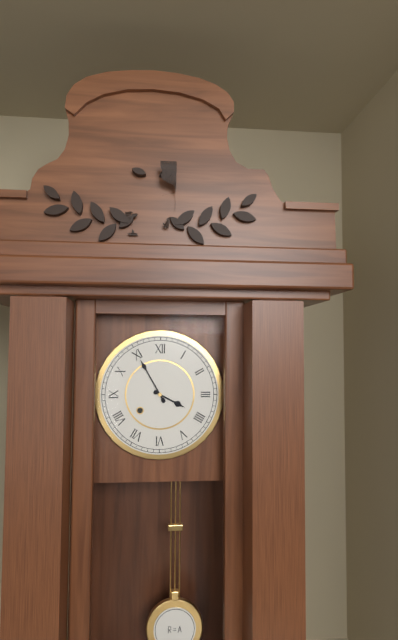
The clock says 3.55
